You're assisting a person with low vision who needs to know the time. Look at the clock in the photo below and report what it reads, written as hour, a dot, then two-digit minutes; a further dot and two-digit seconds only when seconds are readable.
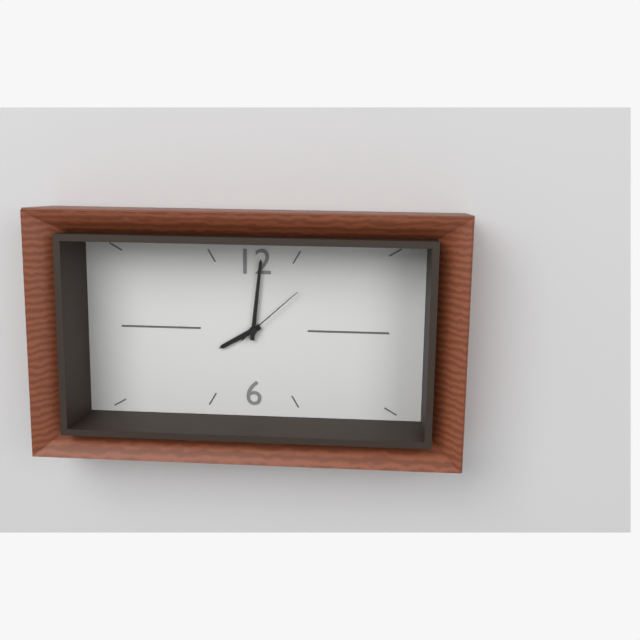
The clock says 8.01.08
